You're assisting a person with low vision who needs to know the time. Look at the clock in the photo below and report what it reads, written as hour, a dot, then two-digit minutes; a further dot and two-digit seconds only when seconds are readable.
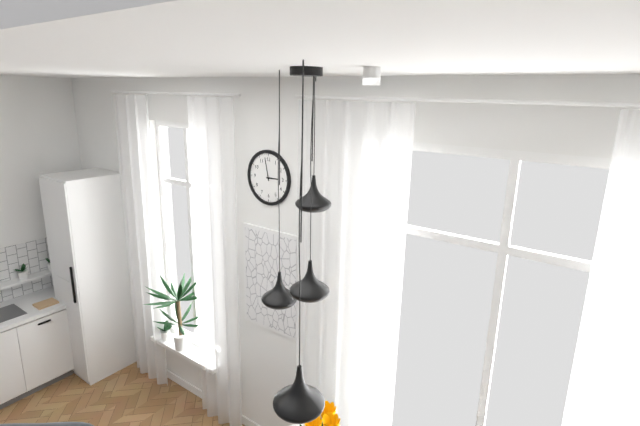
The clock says 2.58
